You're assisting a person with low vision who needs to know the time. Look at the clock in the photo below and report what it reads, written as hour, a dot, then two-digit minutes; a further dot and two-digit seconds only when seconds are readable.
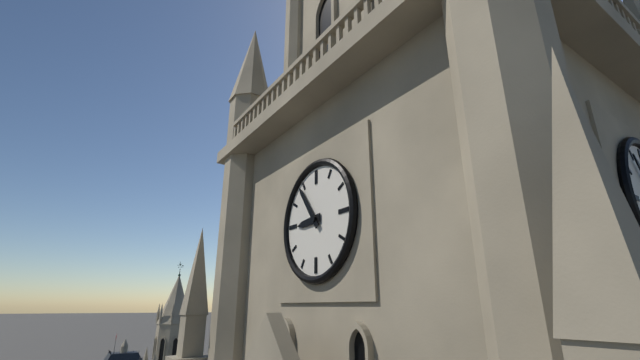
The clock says 8.54
